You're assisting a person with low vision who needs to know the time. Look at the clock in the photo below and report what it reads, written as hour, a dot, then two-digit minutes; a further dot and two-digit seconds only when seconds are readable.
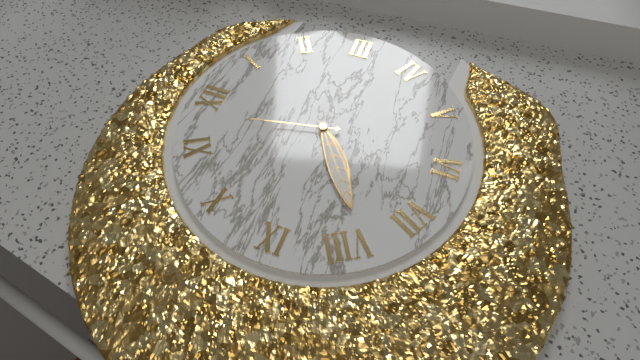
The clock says 7.39.58
